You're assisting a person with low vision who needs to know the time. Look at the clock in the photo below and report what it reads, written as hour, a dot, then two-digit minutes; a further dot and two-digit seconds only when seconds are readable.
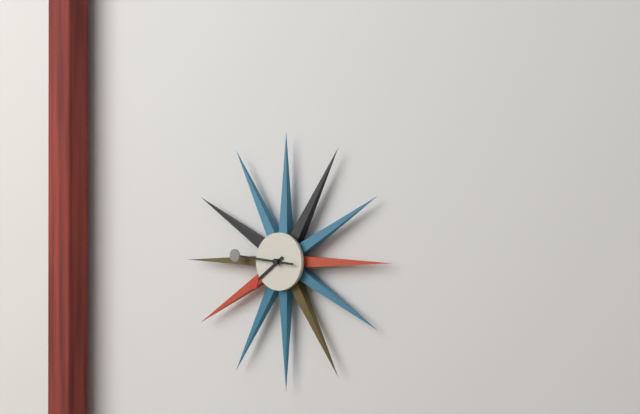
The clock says 7.46
